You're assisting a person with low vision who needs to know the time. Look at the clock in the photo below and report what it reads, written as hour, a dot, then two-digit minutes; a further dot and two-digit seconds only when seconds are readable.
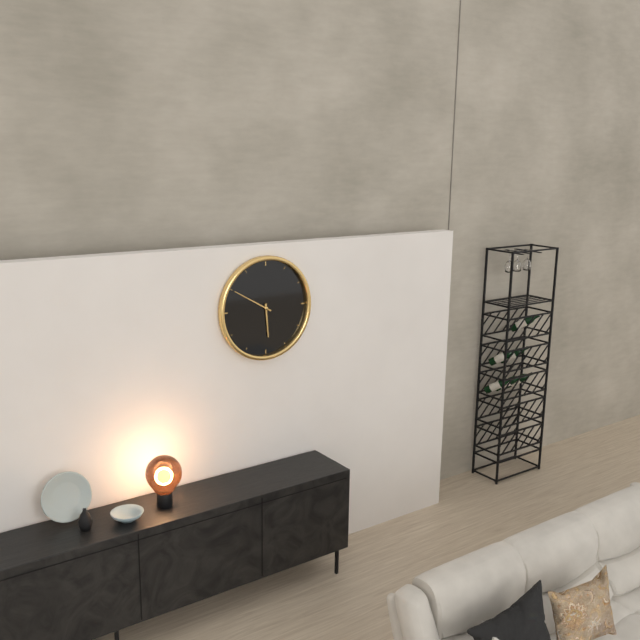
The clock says 5.50
